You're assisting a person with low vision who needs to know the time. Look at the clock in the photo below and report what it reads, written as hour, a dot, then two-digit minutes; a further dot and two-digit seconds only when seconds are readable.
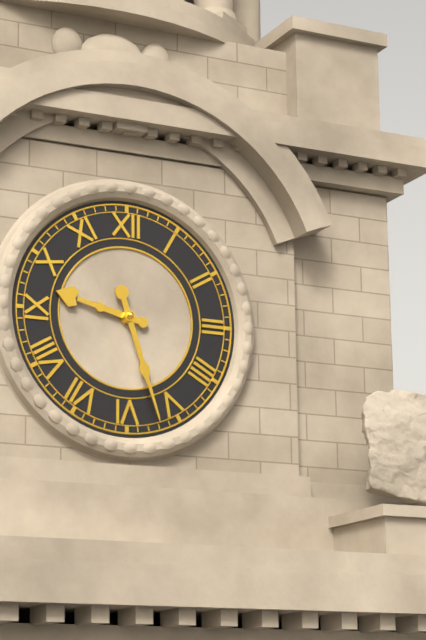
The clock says 9.27
